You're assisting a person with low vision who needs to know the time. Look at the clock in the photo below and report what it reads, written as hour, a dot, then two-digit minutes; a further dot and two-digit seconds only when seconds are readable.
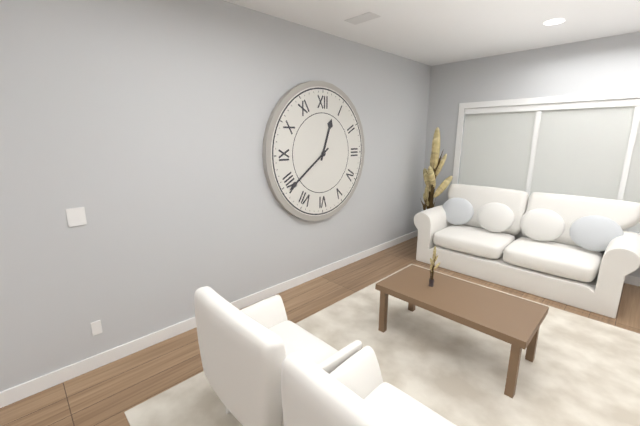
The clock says 12.39
